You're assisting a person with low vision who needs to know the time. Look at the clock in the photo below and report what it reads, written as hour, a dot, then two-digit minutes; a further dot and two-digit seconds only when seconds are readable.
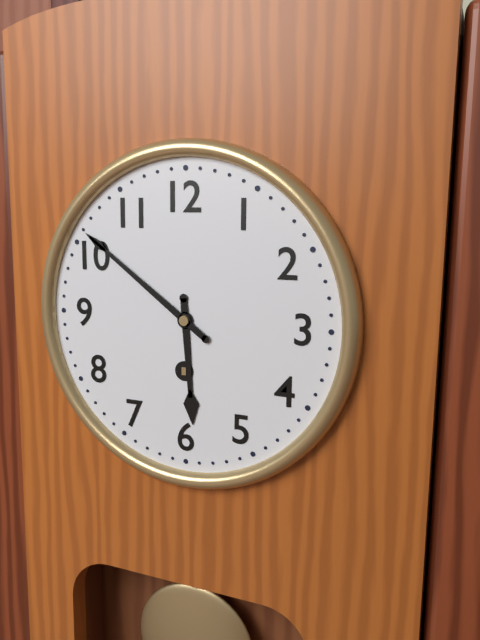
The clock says 5.51
